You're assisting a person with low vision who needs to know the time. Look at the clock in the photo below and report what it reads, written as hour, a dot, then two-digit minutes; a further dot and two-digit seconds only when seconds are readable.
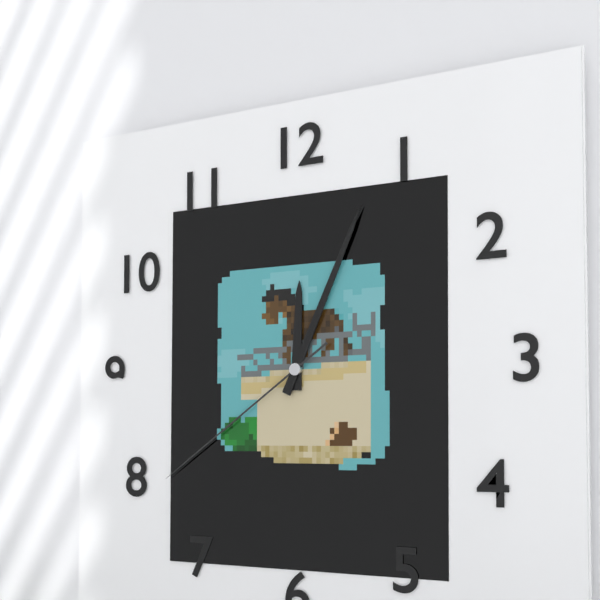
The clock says 12.04.39
